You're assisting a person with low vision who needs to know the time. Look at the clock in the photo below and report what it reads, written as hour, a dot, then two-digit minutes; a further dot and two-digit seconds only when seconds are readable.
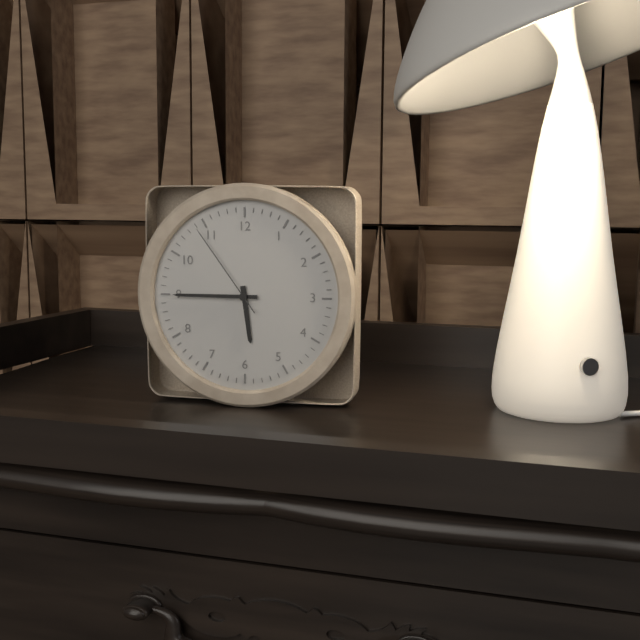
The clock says 5.45.54
